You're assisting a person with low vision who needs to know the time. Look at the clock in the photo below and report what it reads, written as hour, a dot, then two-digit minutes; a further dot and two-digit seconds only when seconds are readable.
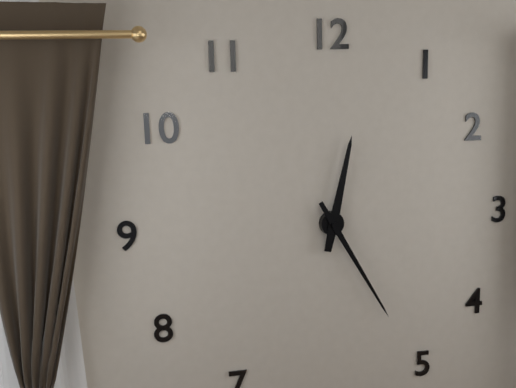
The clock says 12.25
